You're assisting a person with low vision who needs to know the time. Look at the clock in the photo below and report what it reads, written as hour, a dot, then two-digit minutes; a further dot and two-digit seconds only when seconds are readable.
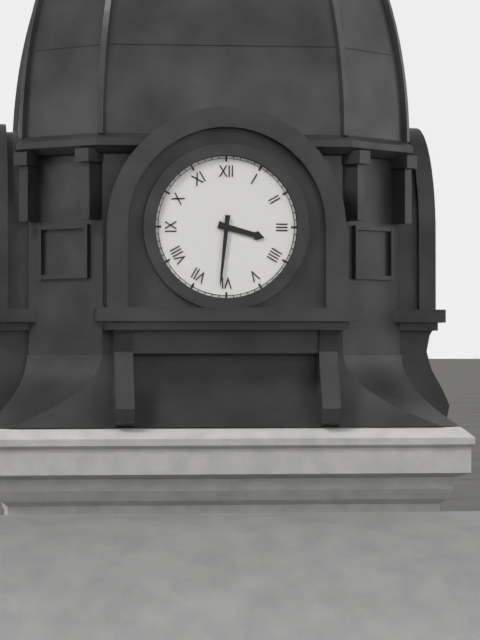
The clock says 3.31
